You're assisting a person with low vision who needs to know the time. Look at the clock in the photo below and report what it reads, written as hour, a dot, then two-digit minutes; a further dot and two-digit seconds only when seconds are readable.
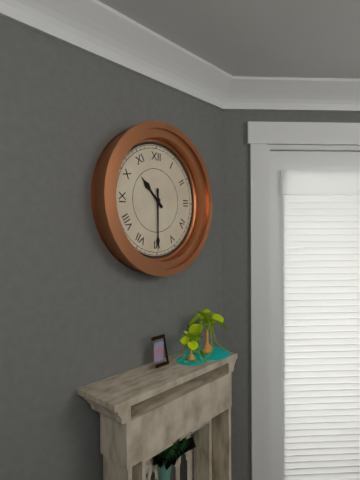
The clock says 10.30
